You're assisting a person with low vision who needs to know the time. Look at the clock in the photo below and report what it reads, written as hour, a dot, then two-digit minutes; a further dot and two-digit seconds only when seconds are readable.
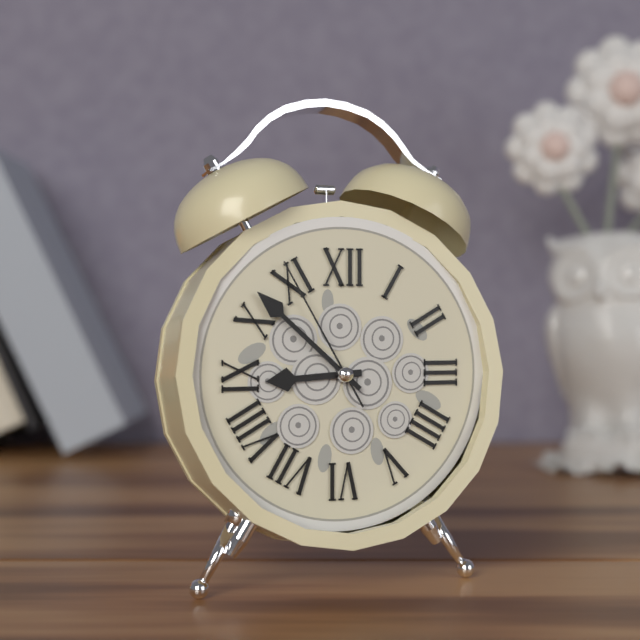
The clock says 8.52.55
